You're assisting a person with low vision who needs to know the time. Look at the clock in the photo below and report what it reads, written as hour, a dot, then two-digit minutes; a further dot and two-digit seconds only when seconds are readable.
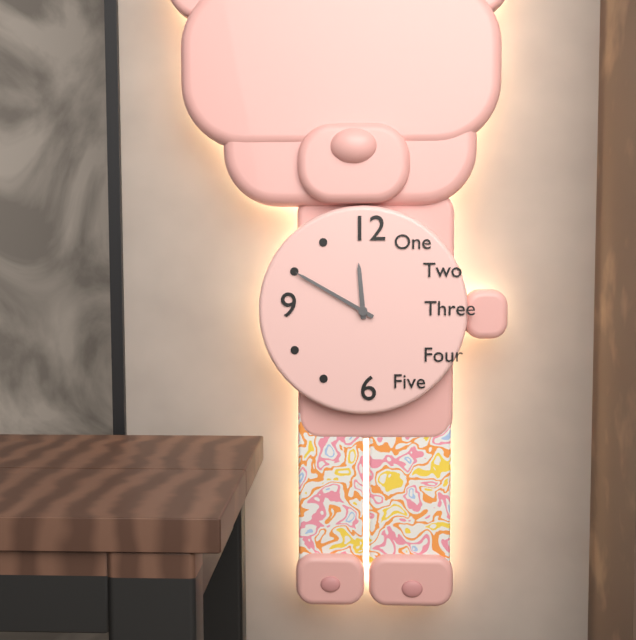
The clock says 11.50
